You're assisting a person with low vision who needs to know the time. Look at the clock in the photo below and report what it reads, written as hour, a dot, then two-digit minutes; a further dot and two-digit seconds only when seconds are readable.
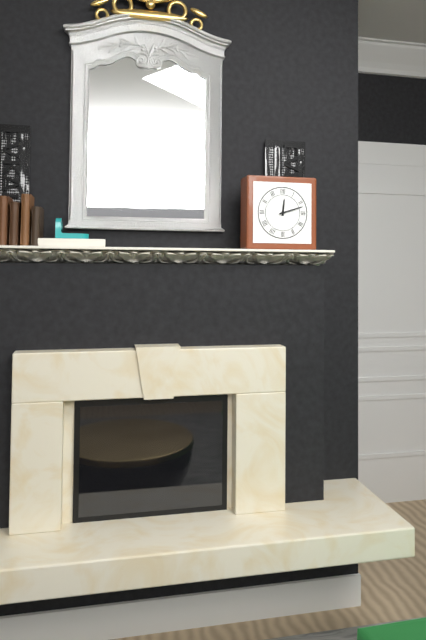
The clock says 12.12
